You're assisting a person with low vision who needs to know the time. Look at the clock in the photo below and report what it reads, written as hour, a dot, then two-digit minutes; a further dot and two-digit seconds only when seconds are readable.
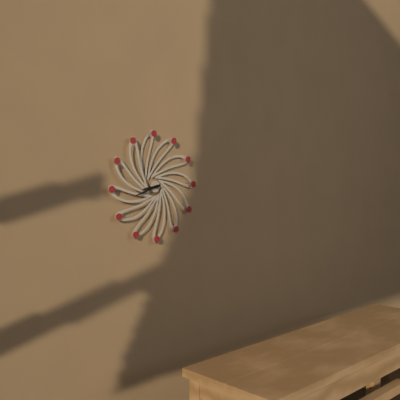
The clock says 8.42
